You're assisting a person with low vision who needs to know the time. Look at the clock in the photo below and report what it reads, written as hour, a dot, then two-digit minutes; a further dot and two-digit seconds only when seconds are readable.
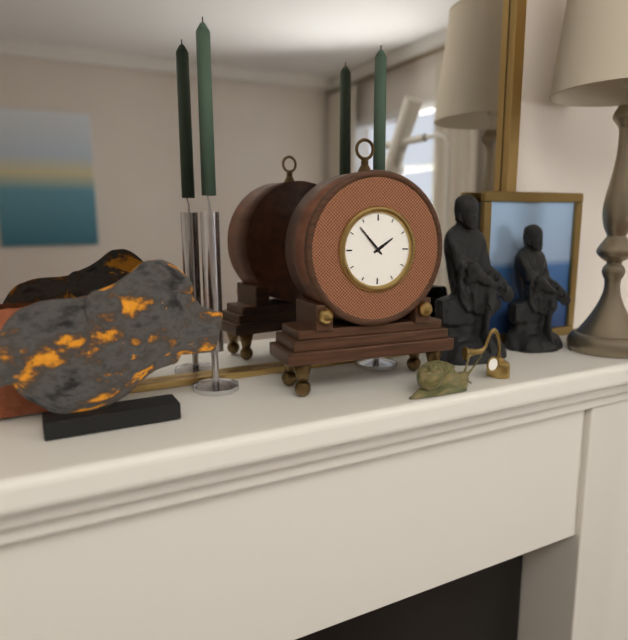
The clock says 1.53
